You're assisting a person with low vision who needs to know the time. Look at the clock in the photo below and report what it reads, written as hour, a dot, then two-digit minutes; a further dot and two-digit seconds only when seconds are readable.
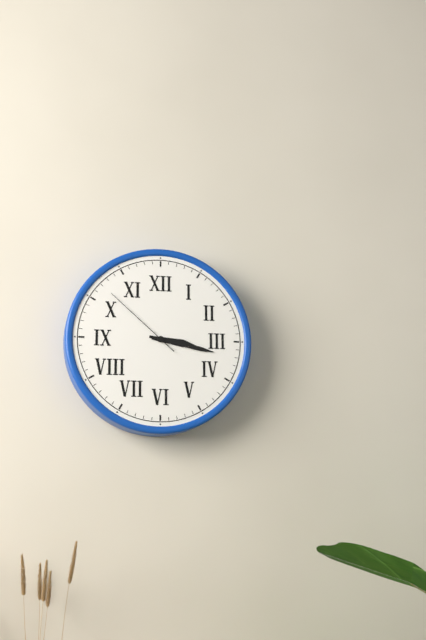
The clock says 3.17.52
